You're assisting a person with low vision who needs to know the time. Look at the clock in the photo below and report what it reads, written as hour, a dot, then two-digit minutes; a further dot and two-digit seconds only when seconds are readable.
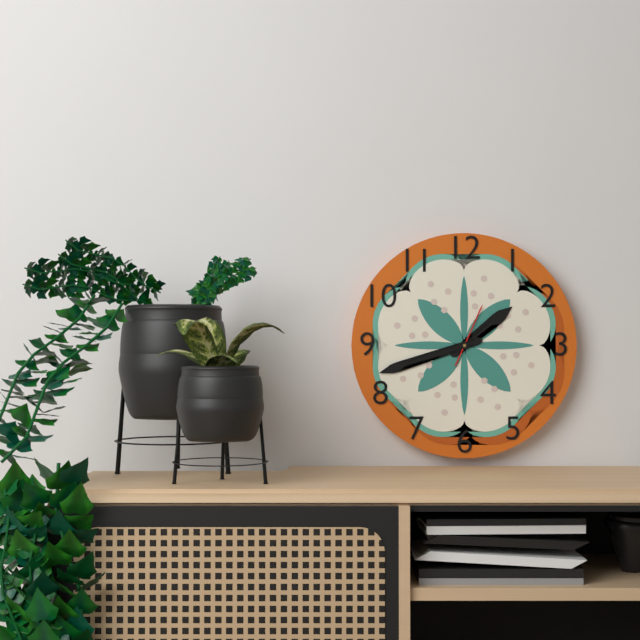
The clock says 1.42.04
